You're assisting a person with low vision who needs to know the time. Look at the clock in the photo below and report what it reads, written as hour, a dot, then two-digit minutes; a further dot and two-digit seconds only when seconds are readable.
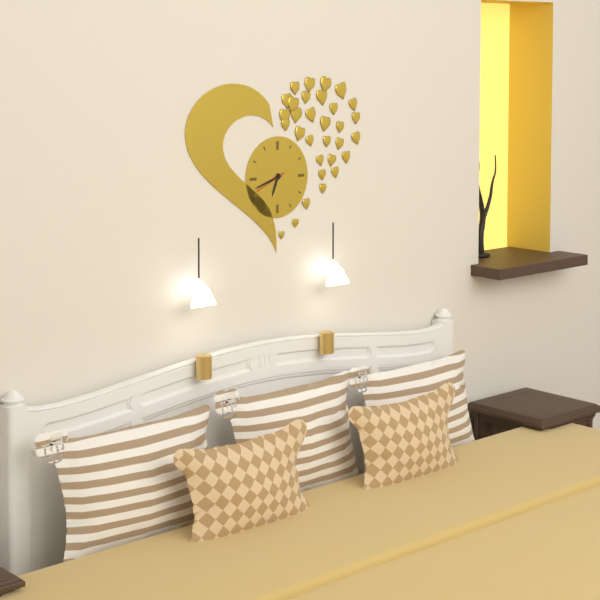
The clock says 6.42
